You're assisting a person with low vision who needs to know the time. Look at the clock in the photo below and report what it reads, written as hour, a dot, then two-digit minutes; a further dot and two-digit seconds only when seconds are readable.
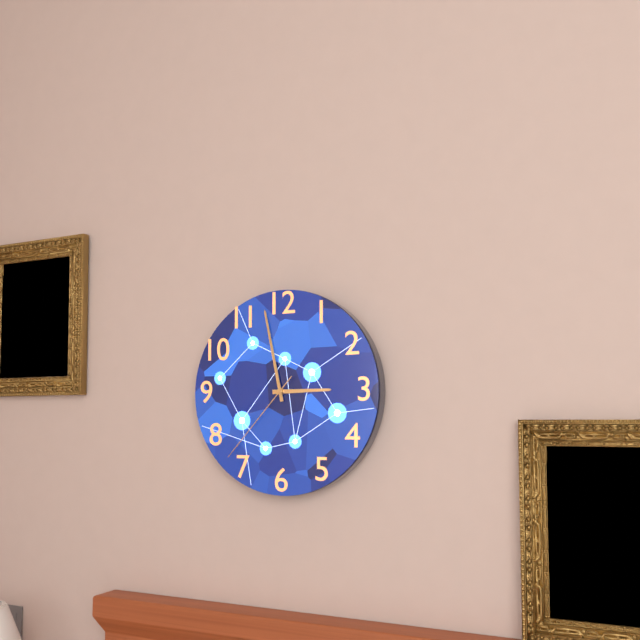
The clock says 2.58.37
